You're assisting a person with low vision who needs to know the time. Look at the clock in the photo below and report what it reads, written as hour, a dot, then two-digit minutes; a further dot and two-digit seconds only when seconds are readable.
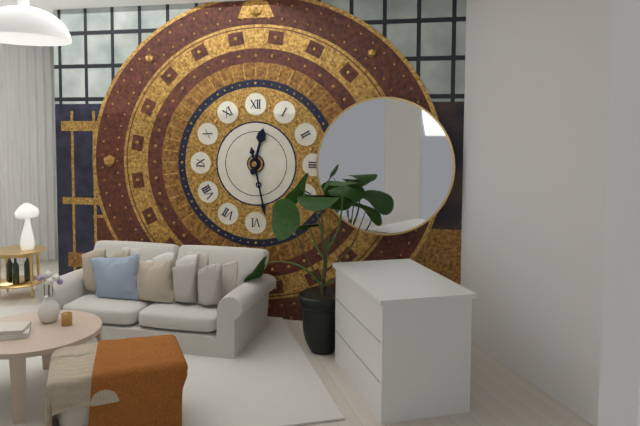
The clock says 12.28
